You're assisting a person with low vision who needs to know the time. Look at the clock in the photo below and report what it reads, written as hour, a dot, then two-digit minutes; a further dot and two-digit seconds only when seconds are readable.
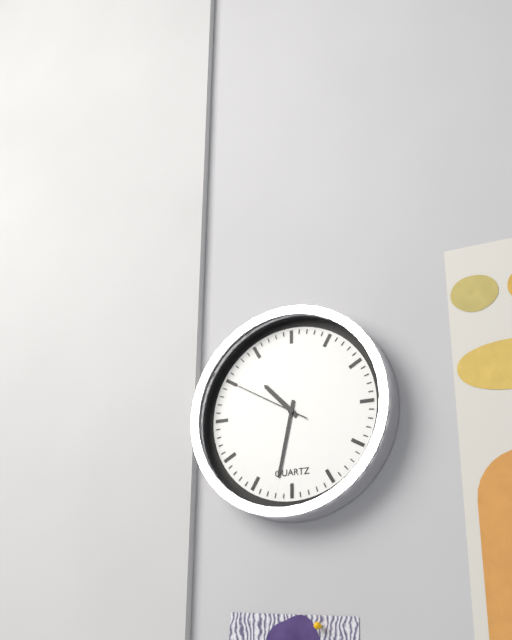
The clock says 10.32.50
